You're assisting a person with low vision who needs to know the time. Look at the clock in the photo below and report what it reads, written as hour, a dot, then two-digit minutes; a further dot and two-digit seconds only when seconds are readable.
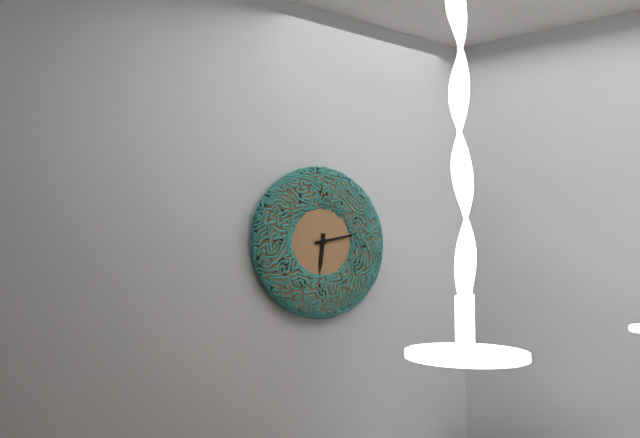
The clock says 6.13
